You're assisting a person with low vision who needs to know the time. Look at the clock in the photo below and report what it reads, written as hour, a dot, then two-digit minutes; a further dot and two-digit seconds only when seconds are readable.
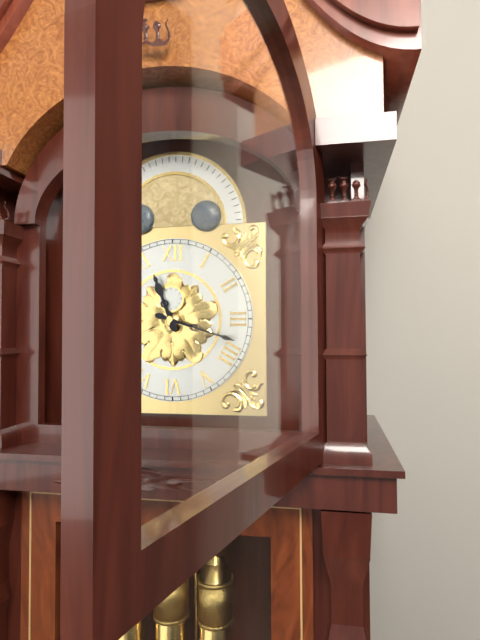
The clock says 11.18
